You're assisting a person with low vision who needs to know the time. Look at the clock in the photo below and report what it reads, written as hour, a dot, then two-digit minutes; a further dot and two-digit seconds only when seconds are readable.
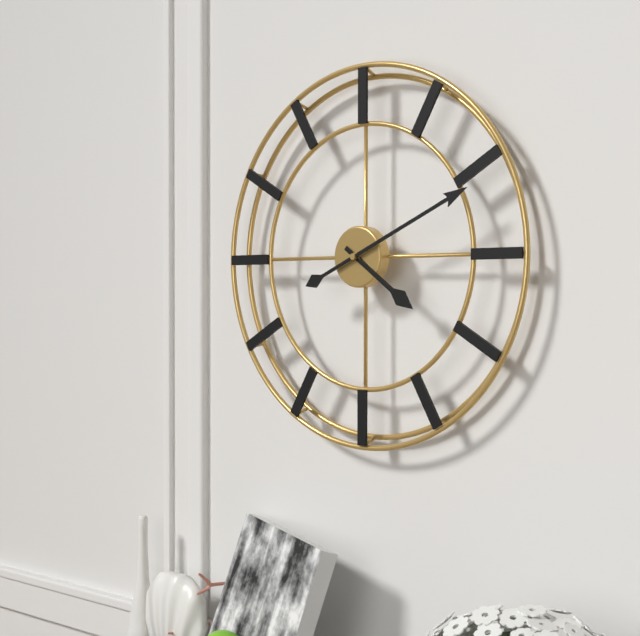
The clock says 4.11
